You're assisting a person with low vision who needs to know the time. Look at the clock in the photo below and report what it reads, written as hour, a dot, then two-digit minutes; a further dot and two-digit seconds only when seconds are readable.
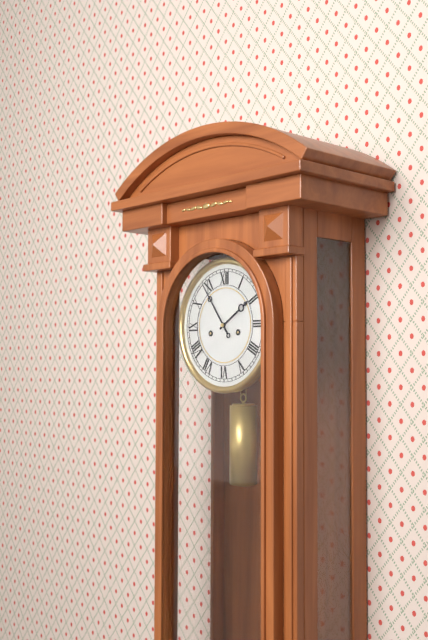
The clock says 1.54
